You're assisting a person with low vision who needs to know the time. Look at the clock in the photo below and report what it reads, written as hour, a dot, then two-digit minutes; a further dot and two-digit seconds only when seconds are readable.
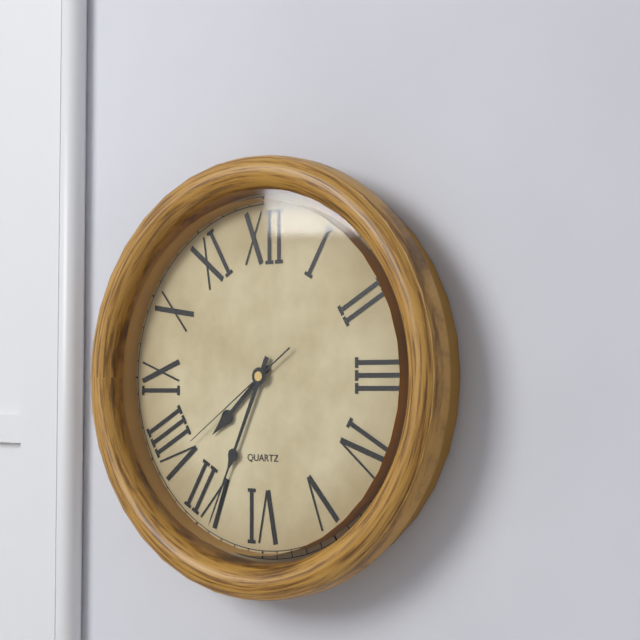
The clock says 7.34.39
